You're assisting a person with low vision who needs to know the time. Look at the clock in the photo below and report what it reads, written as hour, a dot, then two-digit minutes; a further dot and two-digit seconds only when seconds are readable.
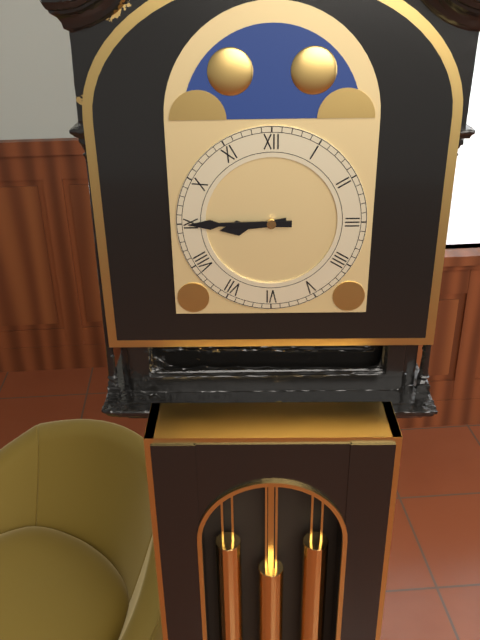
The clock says 8.45
